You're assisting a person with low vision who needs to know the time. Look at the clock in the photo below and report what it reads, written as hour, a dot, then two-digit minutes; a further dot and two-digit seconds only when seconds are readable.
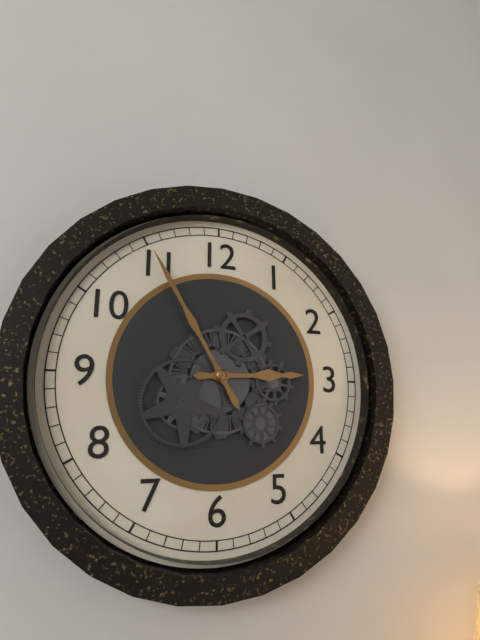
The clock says 2.55
